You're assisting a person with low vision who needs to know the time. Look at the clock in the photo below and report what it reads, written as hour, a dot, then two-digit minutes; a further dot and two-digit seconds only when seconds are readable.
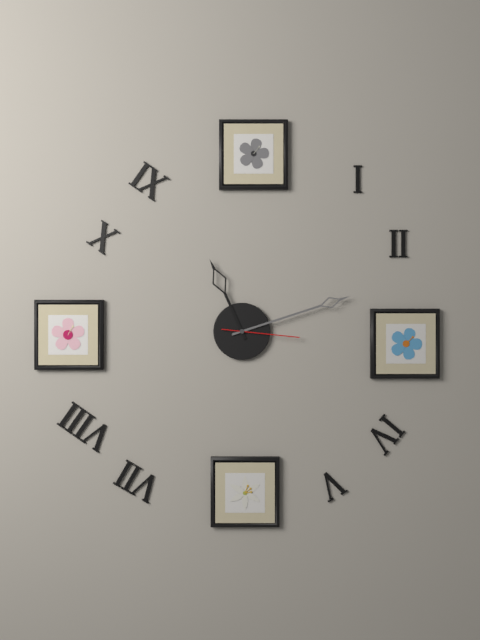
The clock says 11.12.16
